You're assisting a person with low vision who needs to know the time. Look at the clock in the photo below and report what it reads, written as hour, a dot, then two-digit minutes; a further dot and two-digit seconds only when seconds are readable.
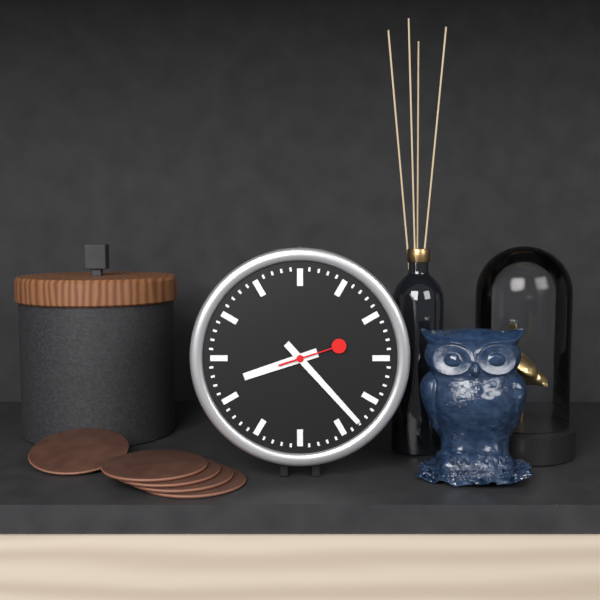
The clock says 8.23.12
